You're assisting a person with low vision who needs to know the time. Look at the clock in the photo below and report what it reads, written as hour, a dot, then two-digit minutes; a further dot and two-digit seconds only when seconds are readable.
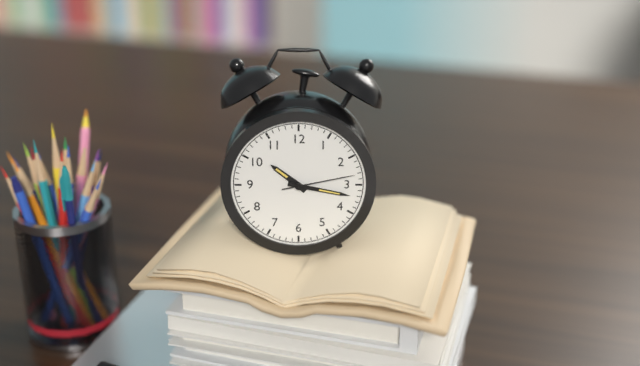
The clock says 10.17.13
